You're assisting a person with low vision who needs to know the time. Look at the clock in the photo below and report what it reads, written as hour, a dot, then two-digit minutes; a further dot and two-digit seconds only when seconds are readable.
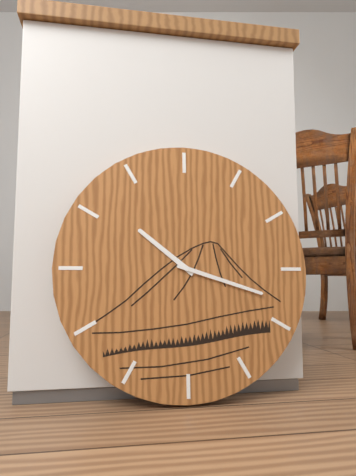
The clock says 10.18
